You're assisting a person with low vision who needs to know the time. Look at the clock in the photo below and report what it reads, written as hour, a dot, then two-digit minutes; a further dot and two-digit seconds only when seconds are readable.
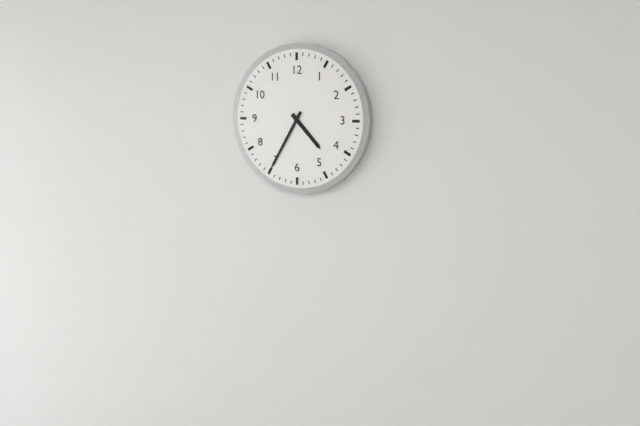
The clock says 4.35
